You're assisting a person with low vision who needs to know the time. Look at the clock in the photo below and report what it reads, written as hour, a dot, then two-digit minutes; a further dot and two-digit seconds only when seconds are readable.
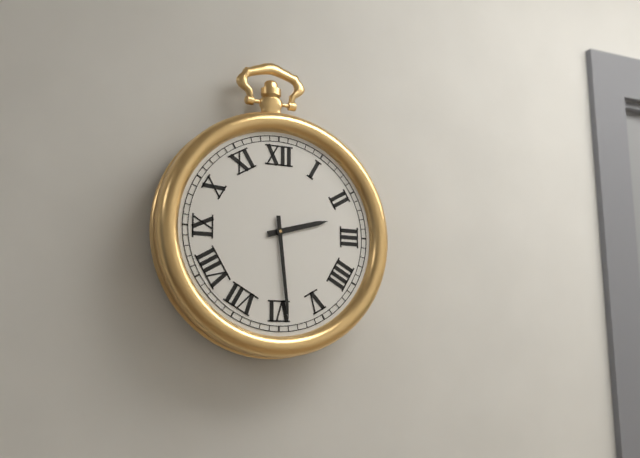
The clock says 2.29
